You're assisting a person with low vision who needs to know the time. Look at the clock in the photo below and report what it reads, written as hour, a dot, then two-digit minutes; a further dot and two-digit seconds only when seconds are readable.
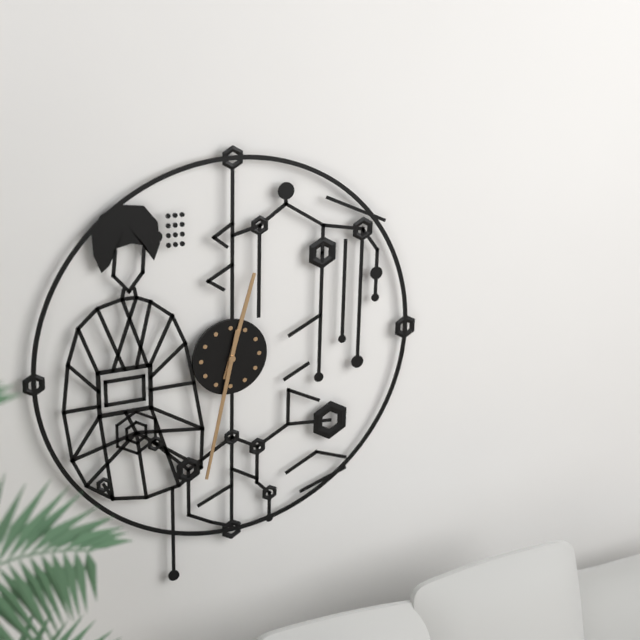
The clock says 12.32
